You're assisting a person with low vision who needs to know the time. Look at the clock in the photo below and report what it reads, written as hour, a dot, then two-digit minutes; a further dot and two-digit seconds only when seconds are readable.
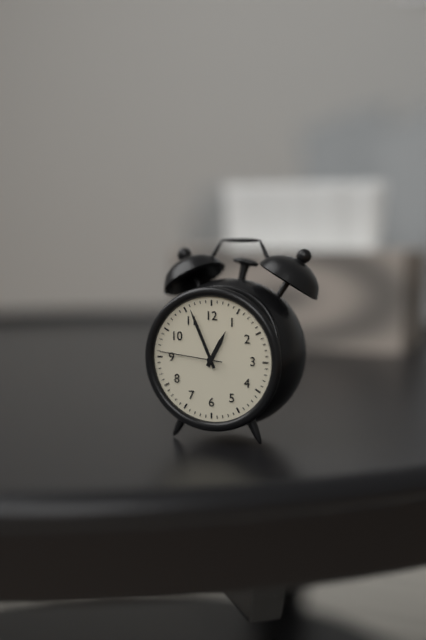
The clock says 12.56.46
